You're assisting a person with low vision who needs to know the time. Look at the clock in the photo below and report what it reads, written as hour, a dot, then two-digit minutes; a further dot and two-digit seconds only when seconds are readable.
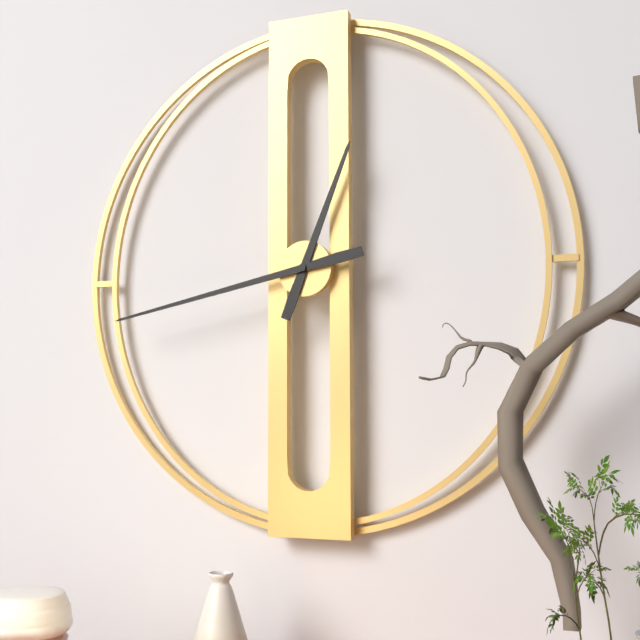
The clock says 12.43
